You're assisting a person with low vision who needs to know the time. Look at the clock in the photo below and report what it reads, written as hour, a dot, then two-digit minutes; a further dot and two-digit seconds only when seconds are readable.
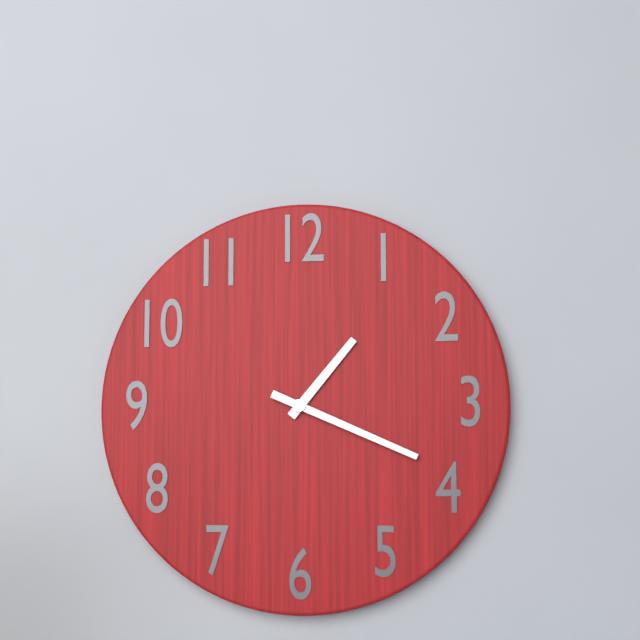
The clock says 1.19
